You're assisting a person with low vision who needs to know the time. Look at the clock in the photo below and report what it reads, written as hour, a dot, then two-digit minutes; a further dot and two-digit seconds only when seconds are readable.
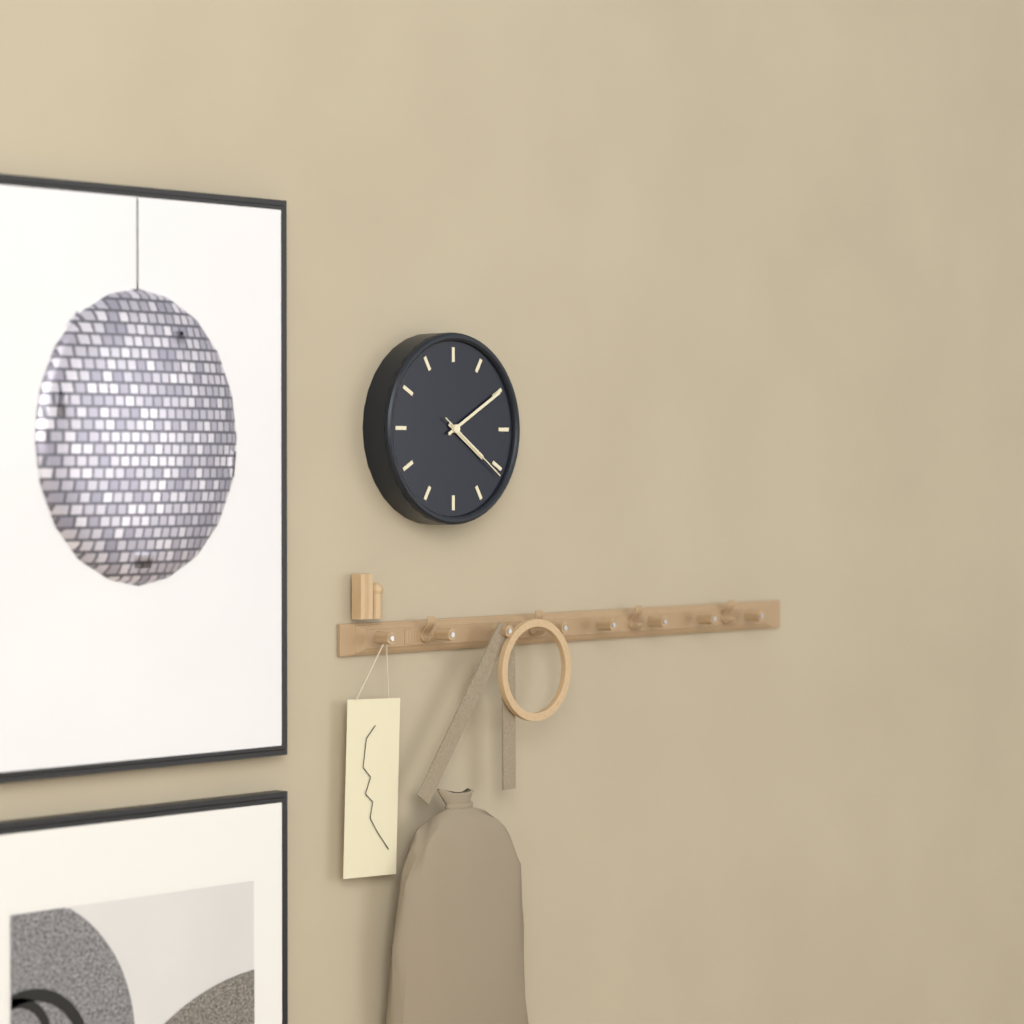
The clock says 4.10.21
